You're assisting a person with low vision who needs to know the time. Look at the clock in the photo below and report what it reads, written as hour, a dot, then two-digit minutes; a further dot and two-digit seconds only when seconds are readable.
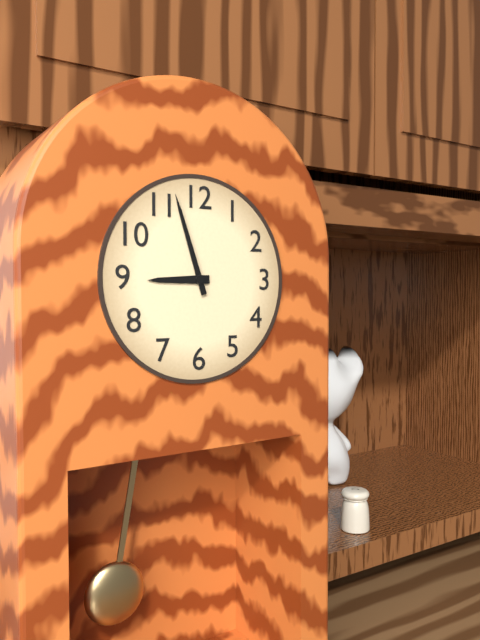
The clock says 8.57
